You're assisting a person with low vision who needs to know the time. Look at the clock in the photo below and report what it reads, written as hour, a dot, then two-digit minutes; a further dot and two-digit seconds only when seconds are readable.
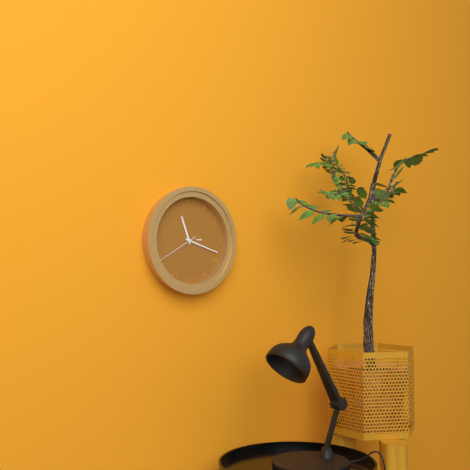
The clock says 11.18
